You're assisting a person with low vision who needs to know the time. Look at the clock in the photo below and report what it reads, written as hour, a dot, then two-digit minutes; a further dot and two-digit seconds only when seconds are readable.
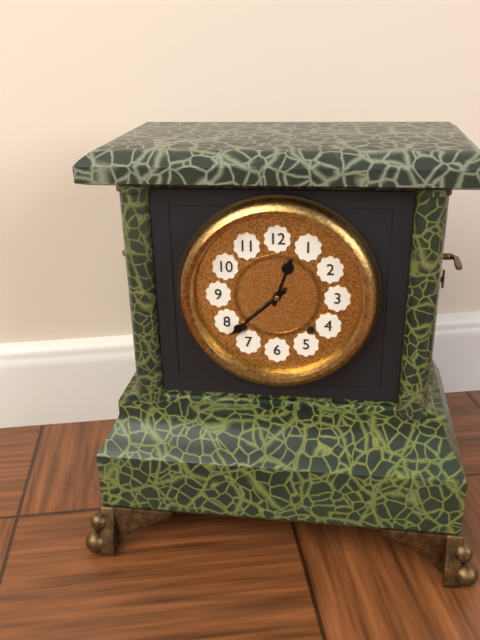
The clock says 12.38
